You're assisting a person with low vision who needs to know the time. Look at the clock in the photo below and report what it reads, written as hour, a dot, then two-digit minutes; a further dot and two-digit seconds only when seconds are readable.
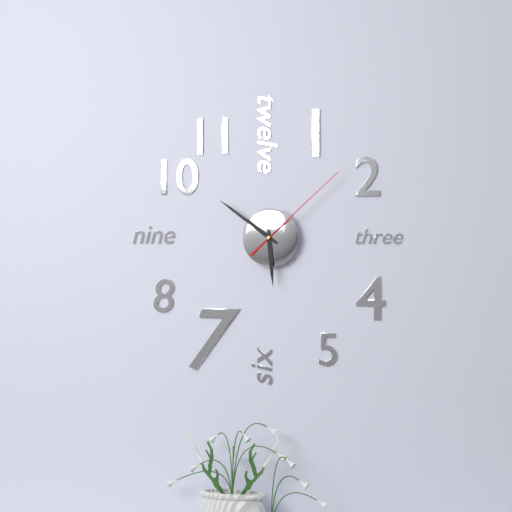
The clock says 5.51.08
